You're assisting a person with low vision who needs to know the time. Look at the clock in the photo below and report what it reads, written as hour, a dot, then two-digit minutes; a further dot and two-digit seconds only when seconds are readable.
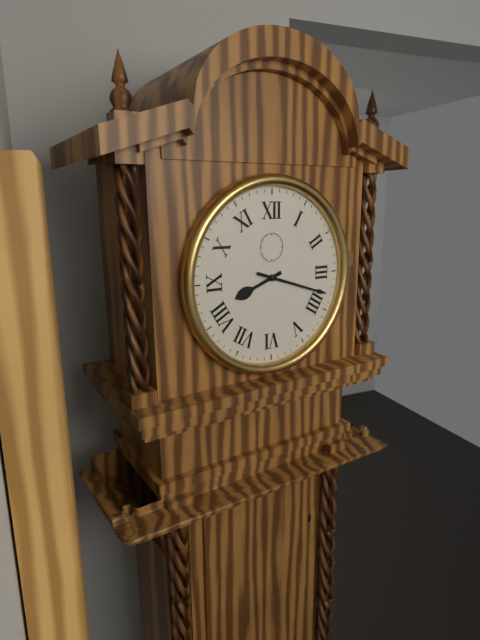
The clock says 8.18
